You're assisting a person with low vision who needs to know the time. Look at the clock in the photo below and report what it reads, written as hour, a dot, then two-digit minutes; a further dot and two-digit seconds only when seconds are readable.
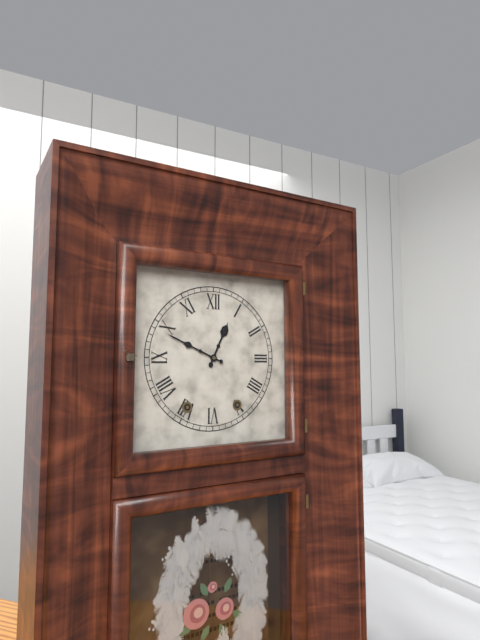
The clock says 12.49
